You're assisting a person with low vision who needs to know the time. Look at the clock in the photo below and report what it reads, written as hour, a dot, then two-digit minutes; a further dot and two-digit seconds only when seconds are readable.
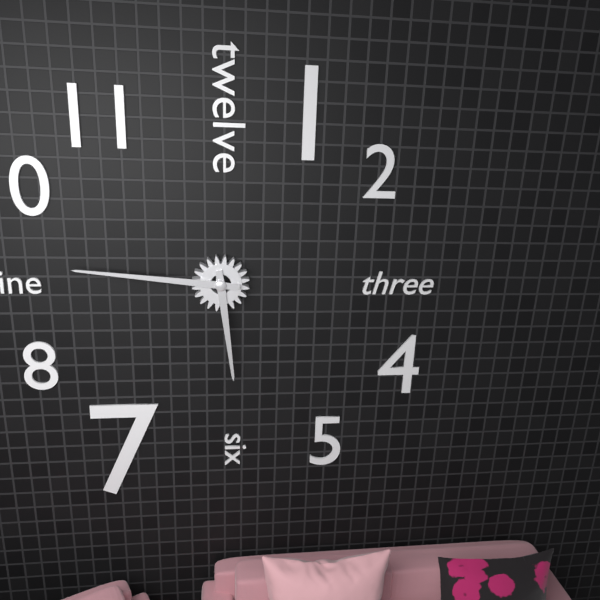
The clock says 5.46
